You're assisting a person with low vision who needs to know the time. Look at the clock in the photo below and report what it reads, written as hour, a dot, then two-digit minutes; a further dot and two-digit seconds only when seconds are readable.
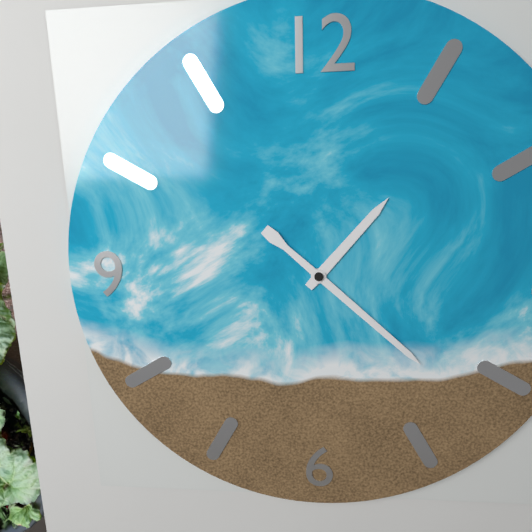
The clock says 1.22
